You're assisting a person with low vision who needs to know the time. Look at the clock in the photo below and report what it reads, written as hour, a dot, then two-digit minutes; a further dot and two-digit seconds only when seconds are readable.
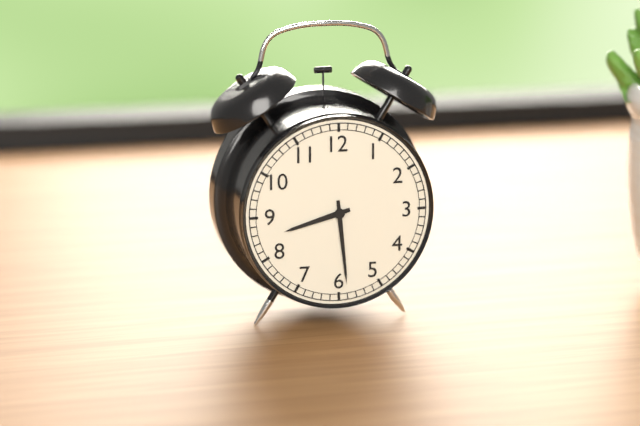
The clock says 8.29
